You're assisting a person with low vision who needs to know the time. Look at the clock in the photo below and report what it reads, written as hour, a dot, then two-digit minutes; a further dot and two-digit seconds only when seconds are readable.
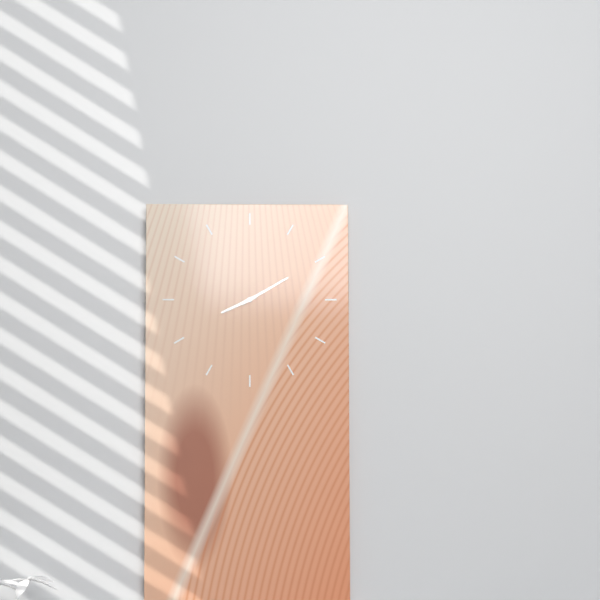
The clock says 8.10
